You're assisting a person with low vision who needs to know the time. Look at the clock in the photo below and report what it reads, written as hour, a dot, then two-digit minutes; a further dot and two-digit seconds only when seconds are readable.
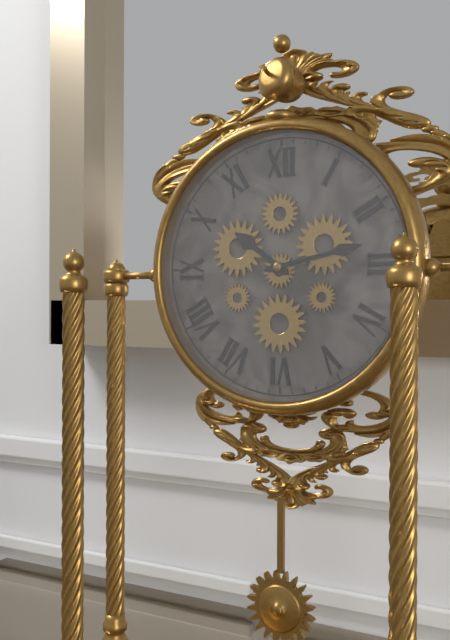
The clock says 10.13
